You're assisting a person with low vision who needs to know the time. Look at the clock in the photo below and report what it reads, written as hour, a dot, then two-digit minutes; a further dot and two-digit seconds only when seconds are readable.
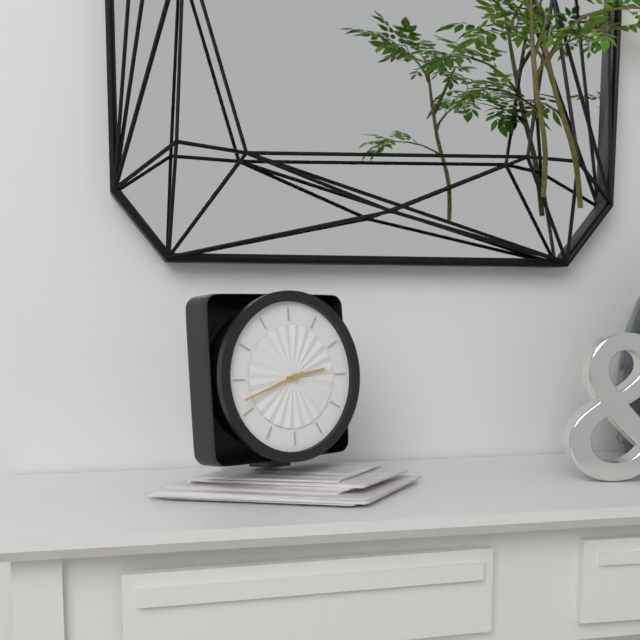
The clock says 2.42
